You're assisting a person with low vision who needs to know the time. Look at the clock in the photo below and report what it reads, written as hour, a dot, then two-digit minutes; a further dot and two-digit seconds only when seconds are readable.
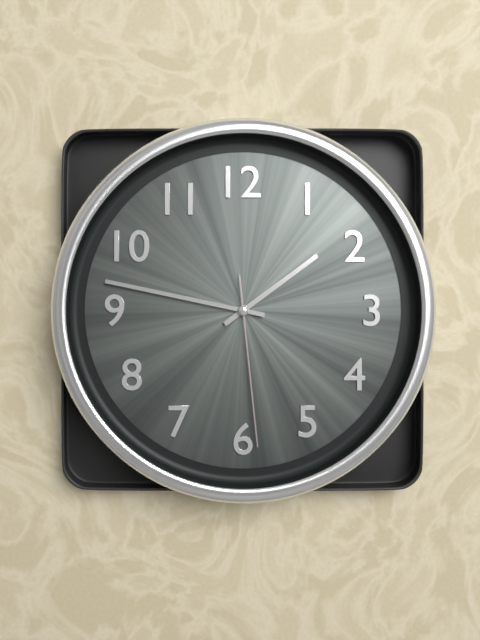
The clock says 1.47.29
